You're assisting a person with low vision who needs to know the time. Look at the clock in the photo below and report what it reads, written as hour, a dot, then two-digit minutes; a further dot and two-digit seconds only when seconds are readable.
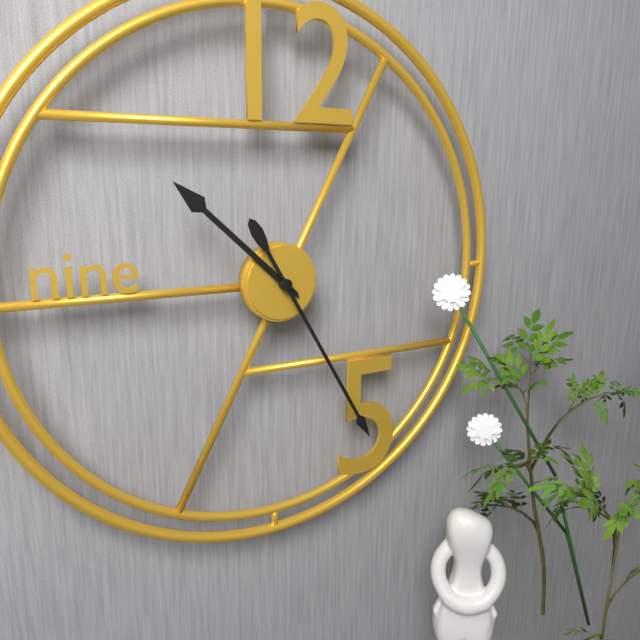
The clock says 10.25
